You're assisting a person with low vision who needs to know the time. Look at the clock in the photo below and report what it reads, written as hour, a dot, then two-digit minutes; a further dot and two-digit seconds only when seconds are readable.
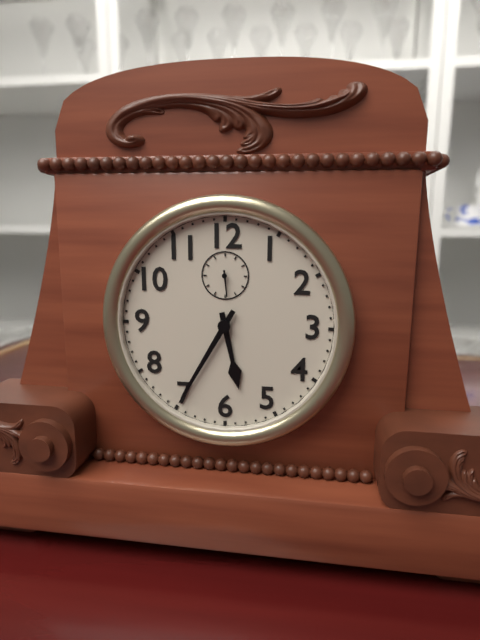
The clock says 5.35
